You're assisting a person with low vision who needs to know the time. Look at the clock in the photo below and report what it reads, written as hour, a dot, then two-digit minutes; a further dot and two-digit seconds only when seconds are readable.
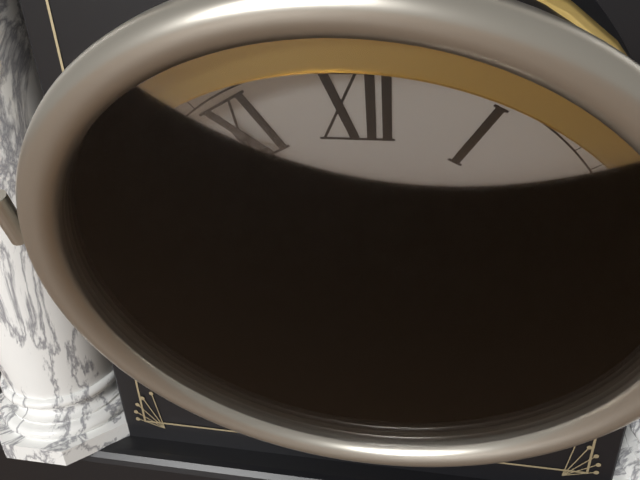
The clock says 10.55
